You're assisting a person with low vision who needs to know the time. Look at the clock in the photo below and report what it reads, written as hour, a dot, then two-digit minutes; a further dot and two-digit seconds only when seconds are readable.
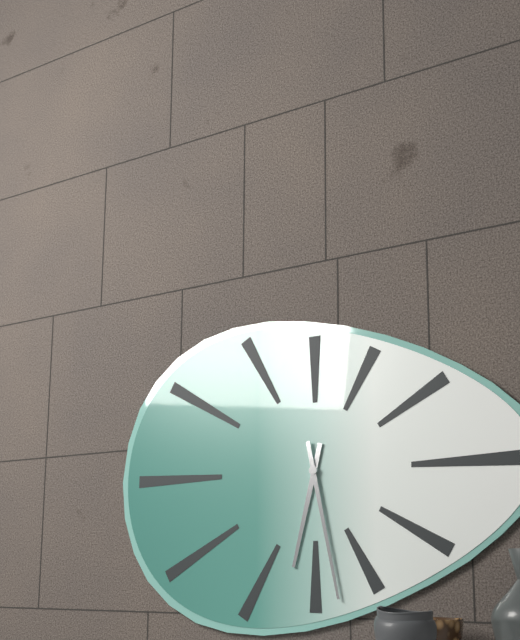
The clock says 6.28
